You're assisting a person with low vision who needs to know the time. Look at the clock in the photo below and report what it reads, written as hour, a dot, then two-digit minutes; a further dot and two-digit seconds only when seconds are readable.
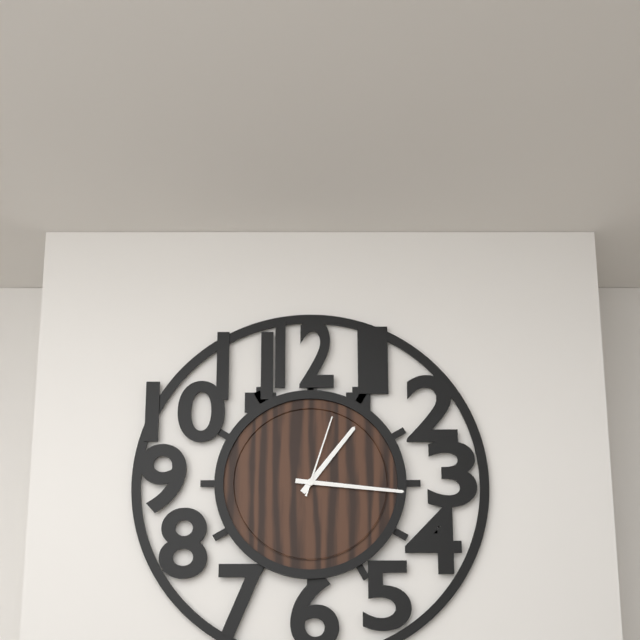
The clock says 1.16.03
